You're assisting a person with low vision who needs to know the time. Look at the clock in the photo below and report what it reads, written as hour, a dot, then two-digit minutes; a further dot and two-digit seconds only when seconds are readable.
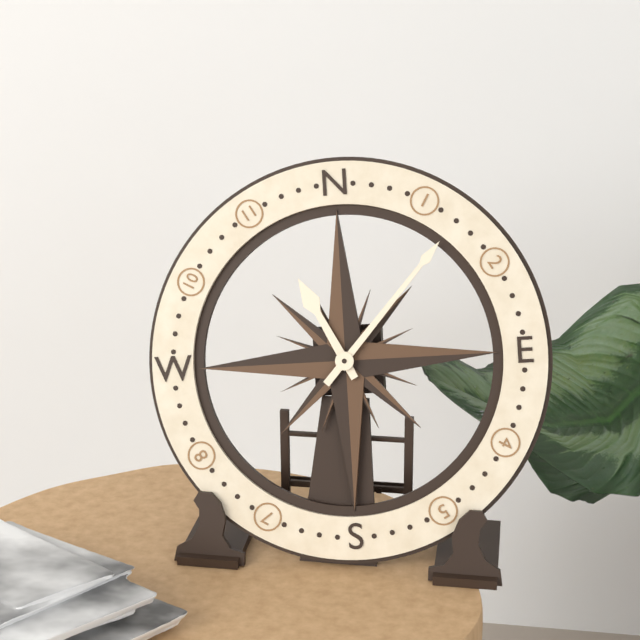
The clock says 11.07
